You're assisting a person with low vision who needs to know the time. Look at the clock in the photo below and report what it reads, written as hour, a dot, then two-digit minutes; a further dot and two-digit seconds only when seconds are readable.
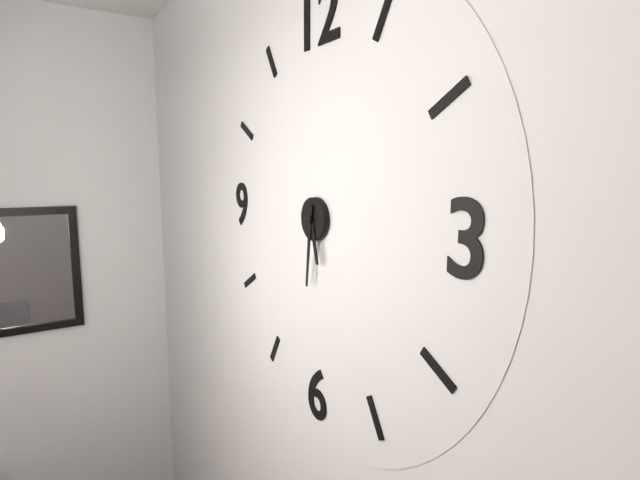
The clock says 5.31
